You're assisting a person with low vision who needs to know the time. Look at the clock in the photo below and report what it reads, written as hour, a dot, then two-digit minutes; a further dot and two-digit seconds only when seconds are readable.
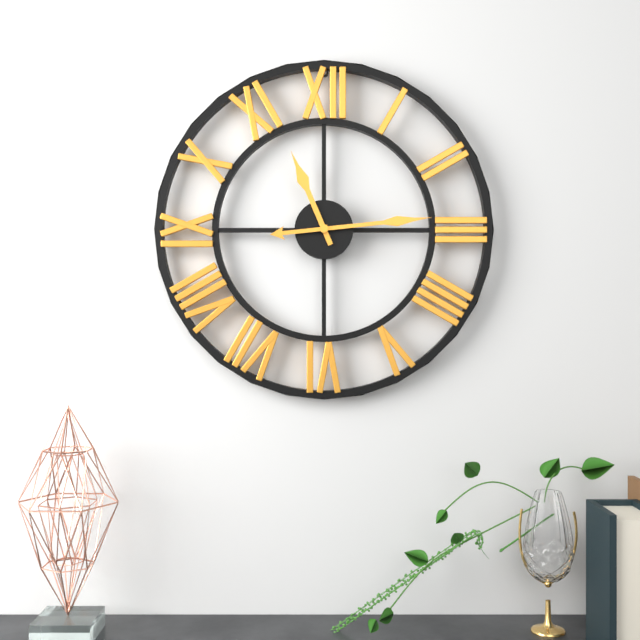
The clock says 11.14
